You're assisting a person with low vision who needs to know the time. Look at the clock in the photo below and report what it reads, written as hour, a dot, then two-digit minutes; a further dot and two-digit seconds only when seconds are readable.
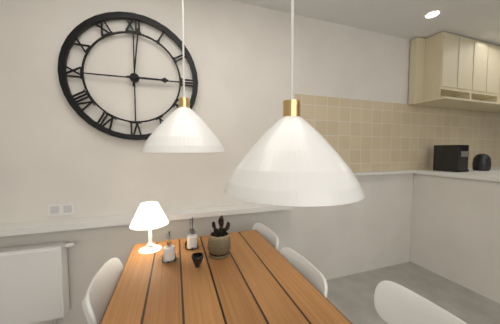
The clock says 3.01
